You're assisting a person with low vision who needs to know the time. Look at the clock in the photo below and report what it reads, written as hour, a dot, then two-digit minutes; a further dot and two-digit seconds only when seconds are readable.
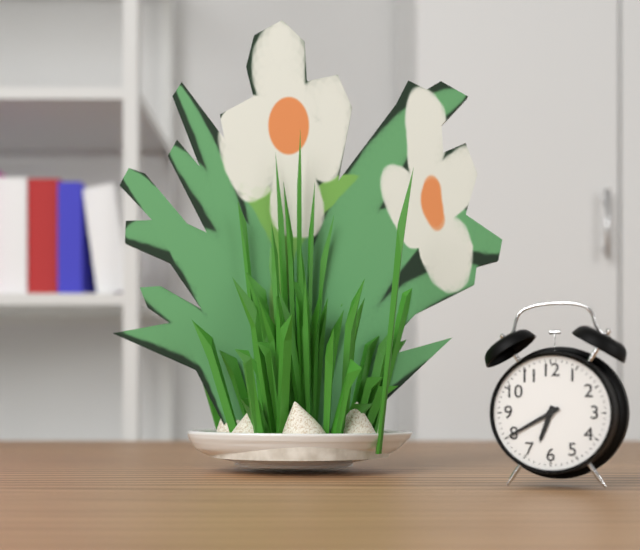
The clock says 6.40
